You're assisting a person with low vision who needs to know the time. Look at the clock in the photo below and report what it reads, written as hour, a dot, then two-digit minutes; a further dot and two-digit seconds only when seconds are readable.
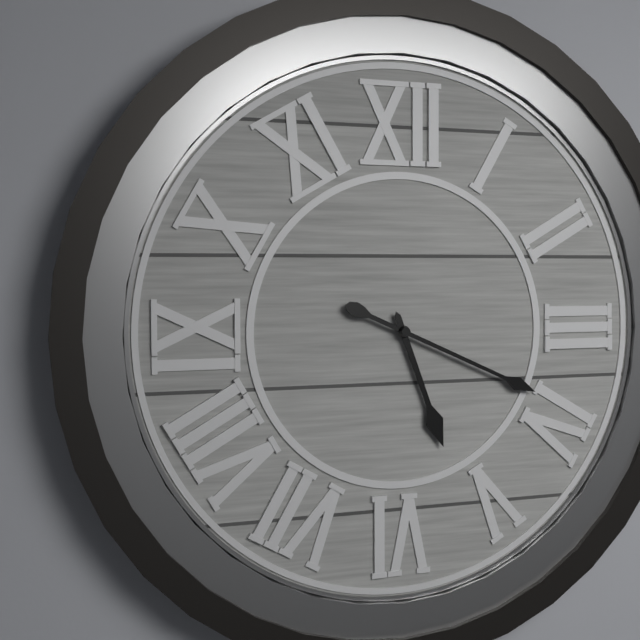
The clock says 5.19
